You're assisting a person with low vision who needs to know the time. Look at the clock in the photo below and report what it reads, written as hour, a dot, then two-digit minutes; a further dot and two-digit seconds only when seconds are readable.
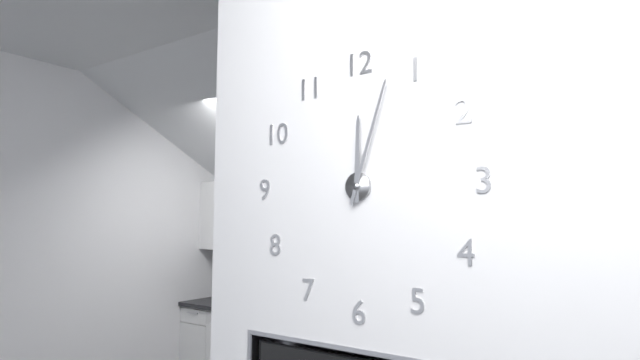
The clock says 12.03
